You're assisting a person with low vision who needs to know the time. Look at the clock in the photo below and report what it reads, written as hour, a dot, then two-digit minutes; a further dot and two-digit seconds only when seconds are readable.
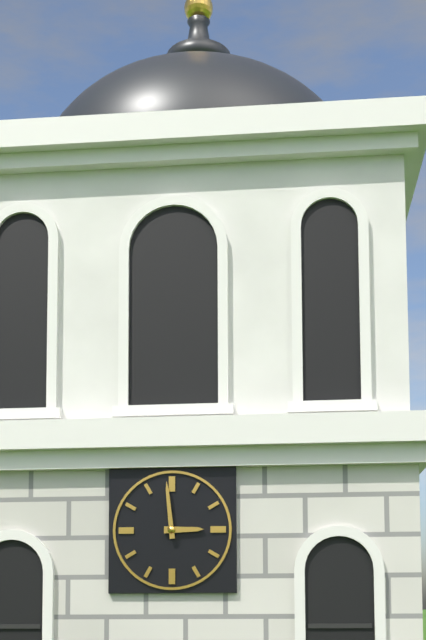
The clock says 2.59
